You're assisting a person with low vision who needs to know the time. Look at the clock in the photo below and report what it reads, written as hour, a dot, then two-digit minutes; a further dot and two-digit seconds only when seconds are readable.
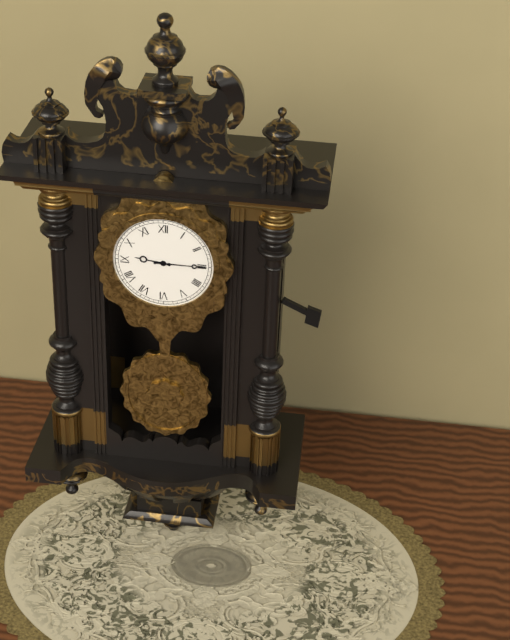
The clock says 9.15
